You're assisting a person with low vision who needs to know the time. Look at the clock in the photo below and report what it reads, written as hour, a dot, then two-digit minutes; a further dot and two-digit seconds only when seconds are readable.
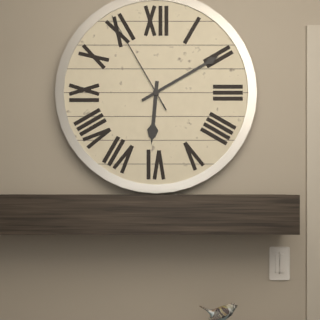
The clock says 6.10.55
